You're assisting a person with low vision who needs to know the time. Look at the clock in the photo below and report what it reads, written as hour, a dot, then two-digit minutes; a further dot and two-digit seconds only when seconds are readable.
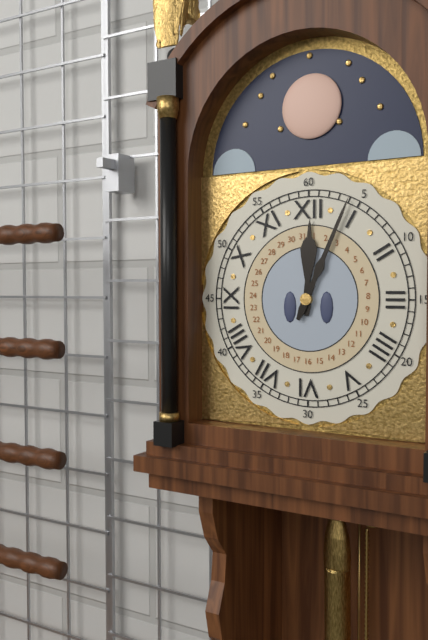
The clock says 12.04
